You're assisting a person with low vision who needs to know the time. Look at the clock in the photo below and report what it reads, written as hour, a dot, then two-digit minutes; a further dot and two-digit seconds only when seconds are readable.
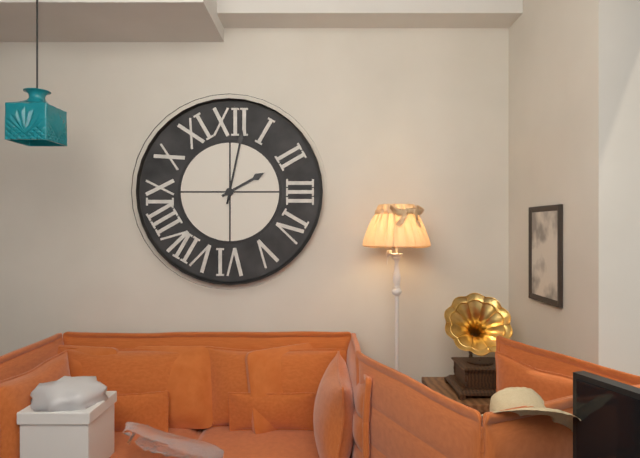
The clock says 2.02
